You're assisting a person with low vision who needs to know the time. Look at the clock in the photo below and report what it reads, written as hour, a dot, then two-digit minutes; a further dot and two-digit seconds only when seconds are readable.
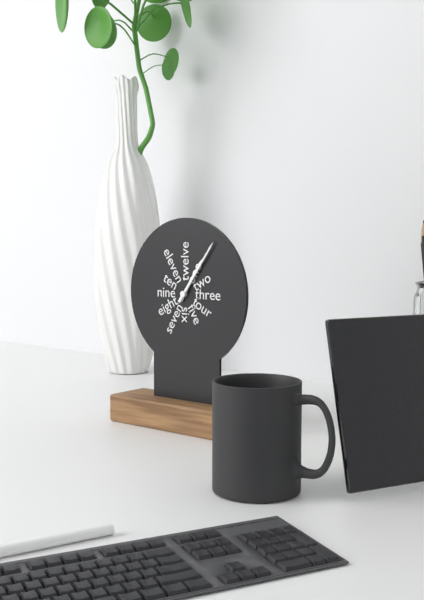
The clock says 1.06
